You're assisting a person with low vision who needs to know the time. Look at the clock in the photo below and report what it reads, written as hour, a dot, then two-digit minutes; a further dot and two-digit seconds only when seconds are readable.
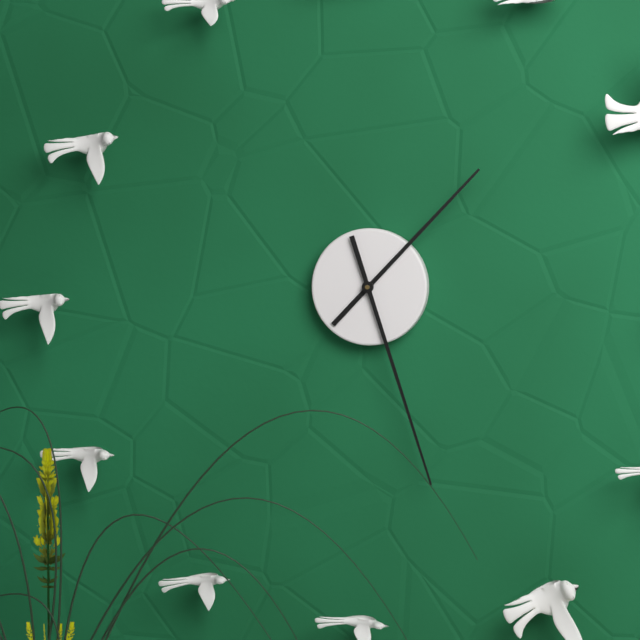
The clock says 1.27
